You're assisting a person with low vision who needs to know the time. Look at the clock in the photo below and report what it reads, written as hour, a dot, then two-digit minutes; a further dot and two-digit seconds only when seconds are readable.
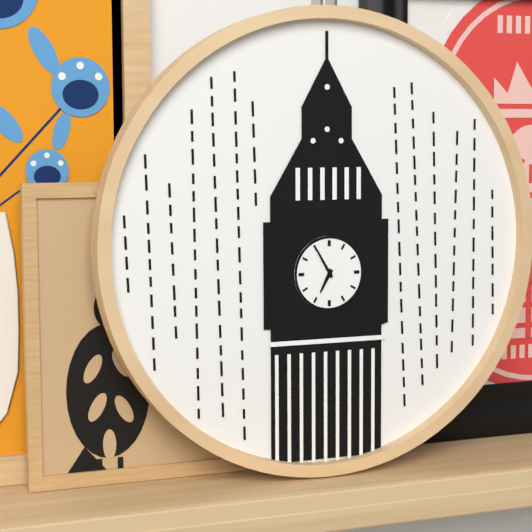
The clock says 6.55
